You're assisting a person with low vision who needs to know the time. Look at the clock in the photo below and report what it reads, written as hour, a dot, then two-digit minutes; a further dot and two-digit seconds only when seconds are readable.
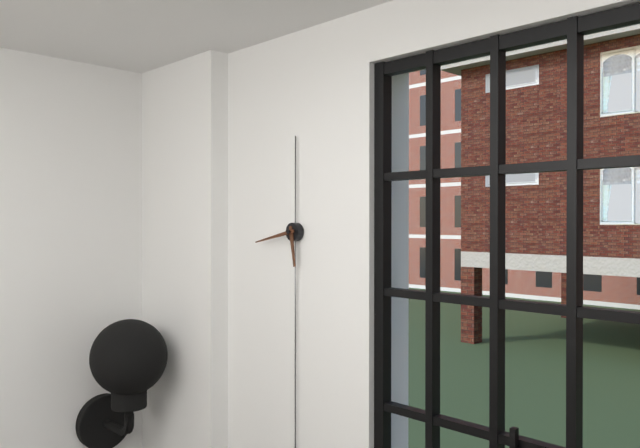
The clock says 5.43
